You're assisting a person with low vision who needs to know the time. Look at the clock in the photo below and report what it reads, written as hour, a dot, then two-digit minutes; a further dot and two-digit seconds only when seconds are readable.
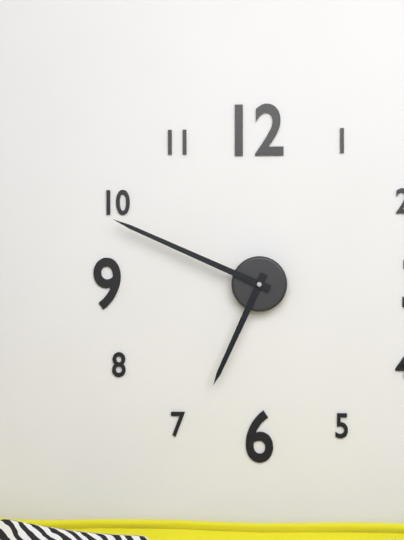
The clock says 6.49
